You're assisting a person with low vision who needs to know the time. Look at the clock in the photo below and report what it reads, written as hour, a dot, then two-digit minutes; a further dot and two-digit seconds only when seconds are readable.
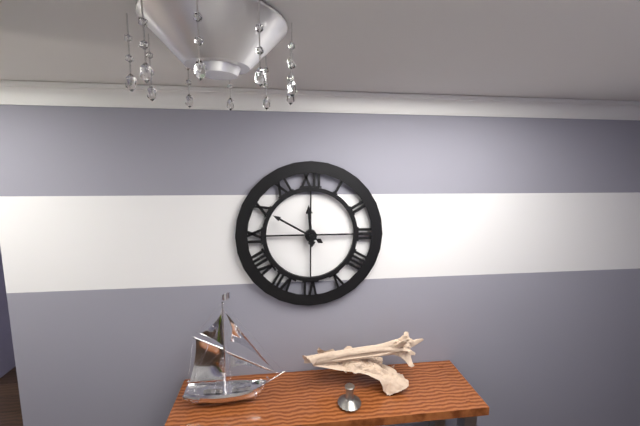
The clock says 11.50
